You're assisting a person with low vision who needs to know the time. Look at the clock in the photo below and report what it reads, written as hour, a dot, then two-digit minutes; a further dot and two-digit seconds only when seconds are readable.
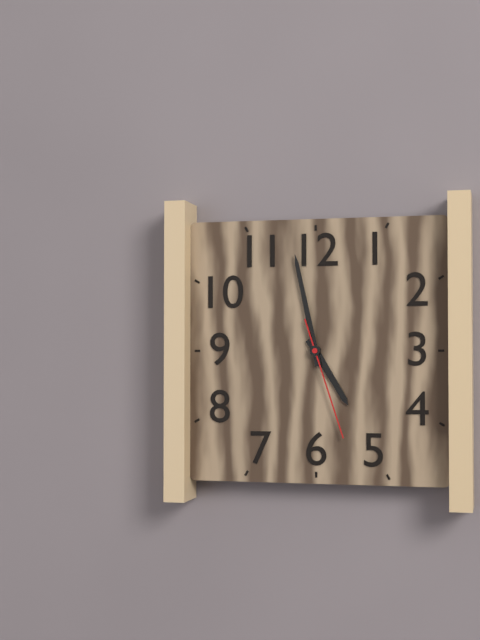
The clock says 4.58.27
